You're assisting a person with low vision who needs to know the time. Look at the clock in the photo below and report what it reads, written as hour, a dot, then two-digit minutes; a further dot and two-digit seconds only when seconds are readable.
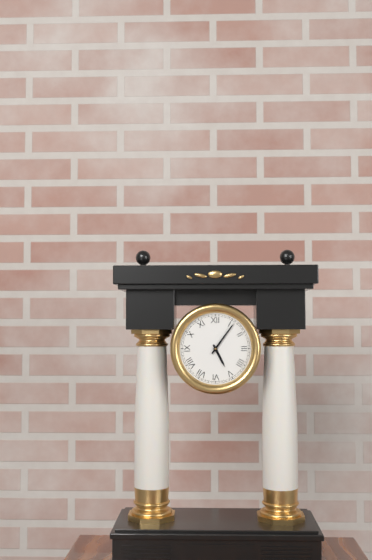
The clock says 5.06
